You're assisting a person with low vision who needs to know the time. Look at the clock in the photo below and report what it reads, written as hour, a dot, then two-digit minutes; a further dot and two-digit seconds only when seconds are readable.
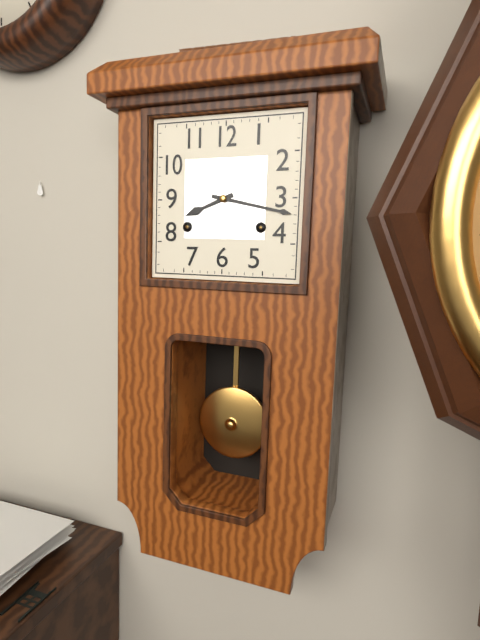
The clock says 8.17
